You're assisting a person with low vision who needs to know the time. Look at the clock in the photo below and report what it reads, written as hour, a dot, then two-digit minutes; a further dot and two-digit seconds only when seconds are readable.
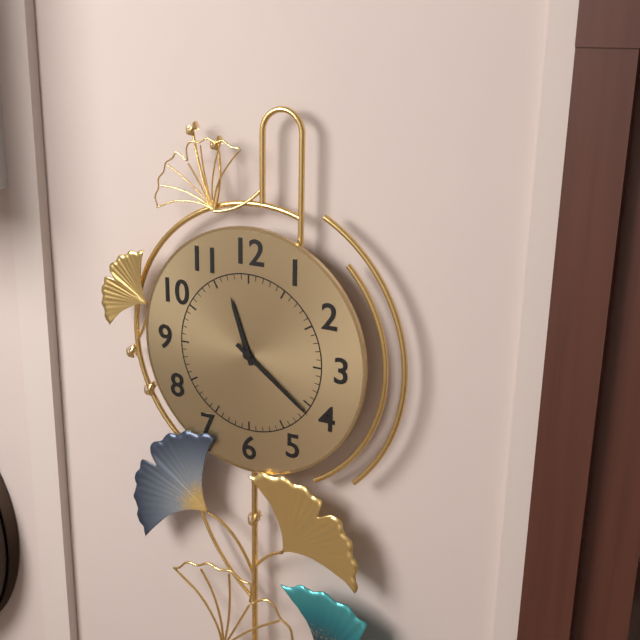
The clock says 11.21
